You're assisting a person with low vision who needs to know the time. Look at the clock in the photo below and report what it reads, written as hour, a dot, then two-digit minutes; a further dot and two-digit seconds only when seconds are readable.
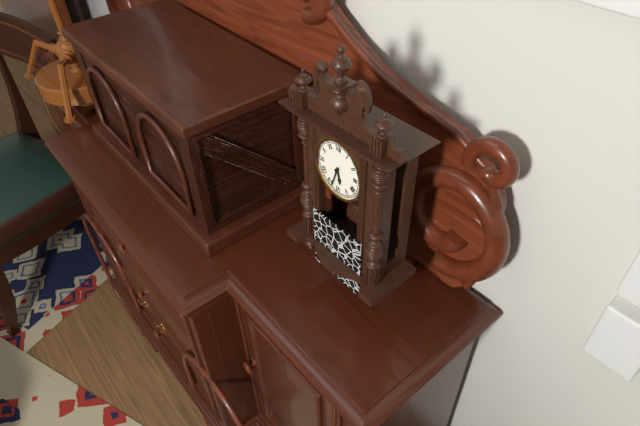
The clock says 5.33
